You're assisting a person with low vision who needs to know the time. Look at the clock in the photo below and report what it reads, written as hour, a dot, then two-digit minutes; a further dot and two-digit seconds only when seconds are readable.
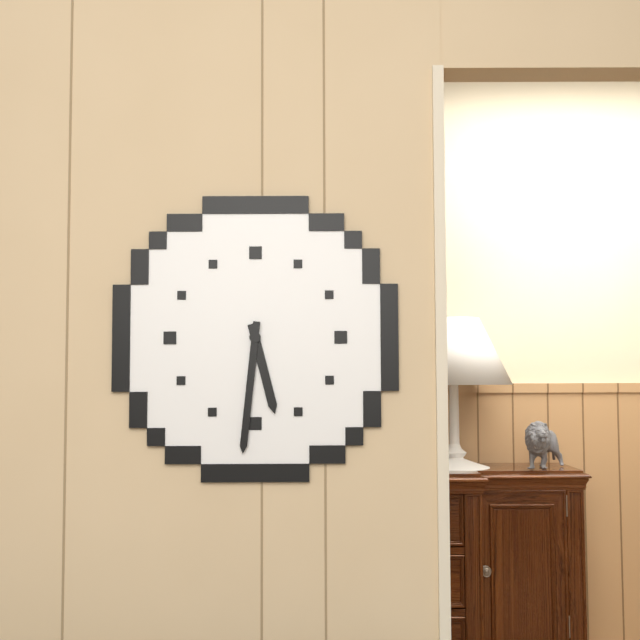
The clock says 5.31
